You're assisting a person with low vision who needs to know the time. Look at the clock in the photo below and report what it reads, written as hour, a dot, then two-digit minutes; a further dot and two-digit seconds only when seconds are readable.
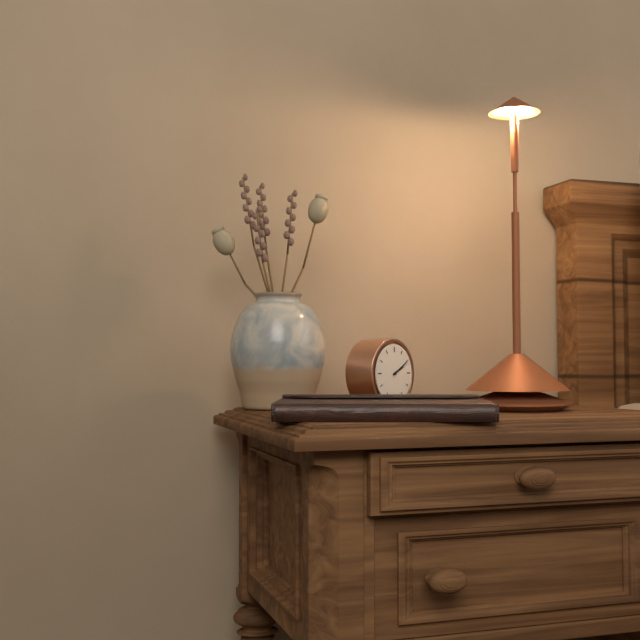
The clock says 2.10
